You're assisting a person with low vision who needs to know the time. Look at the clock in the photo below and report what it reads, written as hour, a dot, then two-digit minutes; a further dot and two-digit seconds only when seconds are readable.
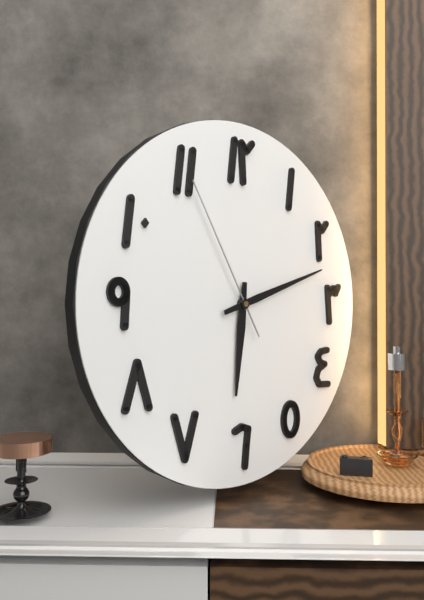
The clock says 6.12.55
